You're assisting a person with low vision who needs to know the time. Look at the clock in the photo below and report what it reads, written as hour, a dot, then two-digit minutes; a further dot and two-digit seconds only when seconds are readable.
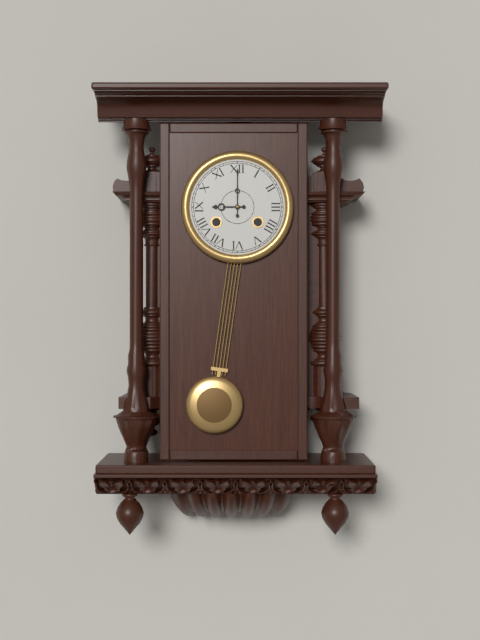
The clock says 9.00
